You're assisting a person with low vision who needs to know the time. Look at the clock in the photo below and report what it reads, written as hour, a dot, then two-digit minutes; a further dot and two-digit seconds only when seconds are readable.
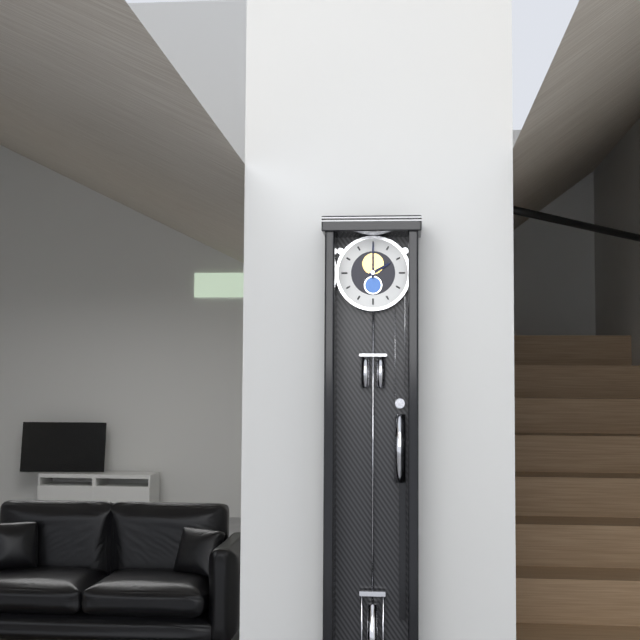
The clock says 2.00
